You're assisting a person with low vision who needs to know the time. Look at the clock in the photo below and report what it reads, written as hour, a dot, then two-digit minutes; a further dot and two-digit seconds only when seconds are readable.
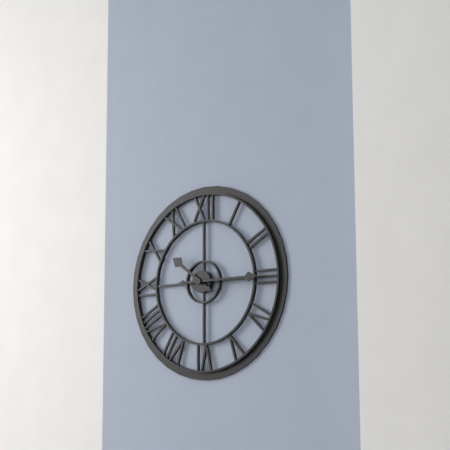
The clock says 10.15
